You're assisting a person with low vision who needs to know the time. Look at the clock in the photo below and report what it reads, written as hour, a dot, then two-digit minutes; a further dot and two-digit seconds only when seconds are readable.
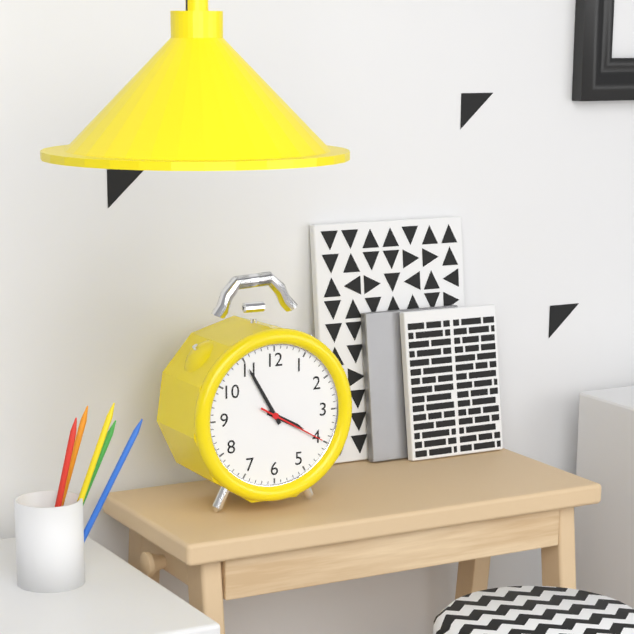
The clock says 3.55.20
